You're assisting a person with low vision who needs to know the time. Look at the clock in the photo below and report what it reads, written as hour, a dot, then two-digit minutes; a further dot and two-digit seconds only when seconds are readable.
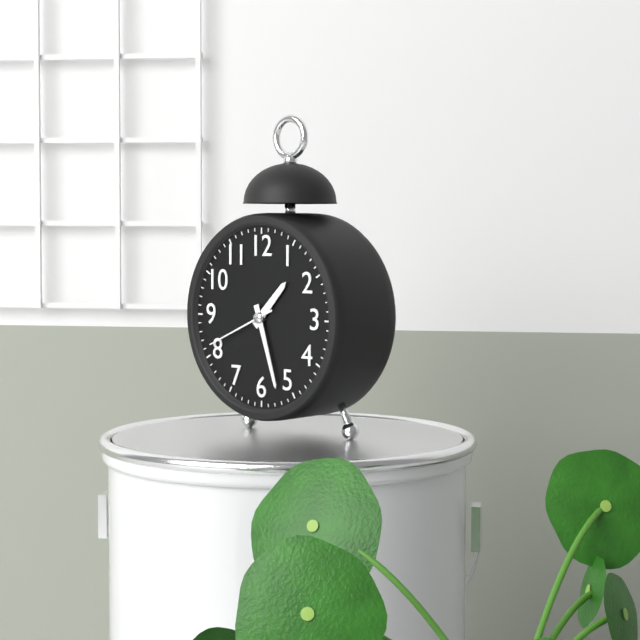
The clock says 1.27.41
